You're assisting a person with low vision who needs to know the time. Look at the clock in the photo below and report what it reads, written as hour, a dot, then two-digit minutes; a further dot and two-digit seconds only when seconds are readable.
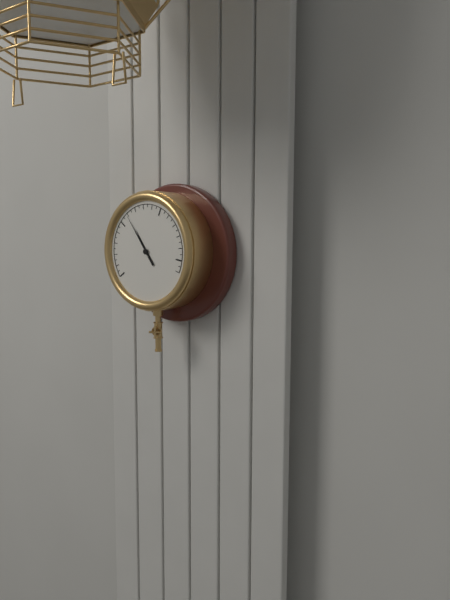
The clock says 10.54
